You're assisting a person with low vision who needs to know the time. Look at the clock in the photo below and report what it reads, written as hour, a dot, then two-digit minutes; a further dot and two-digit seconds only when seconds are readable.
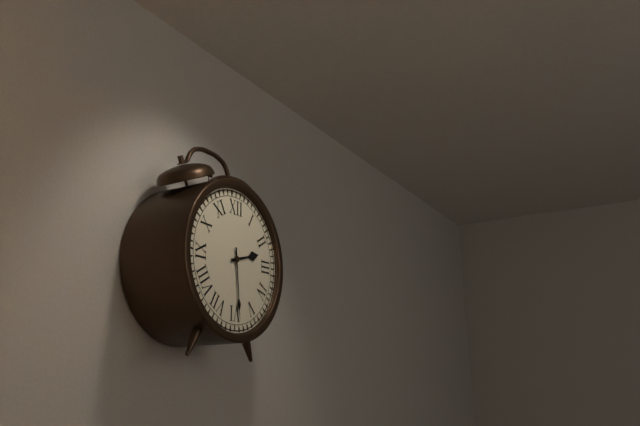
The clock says 2.29
